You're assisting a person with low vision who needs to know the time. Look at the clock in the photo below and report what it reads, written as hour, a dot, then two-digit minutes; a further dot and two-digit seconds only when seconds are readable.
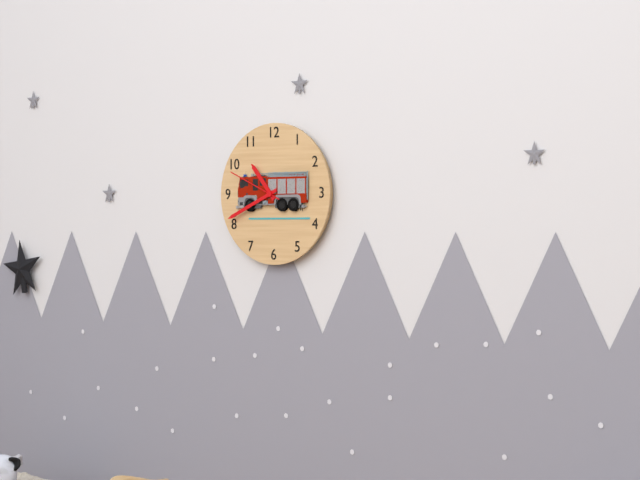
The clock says 10.41.49
